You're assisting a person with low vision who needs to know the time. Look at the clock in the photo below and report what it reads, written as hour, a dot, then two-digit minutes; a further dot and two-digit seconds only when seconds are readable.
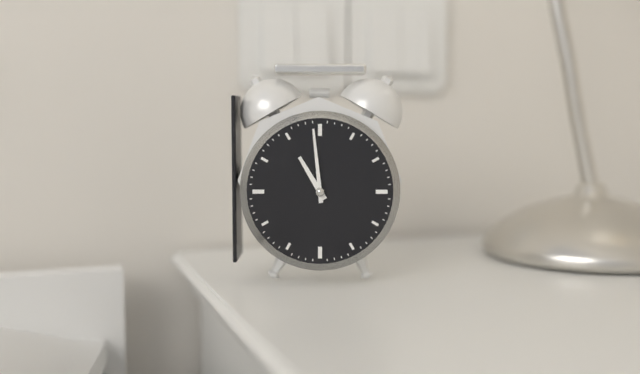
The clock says 10.59
